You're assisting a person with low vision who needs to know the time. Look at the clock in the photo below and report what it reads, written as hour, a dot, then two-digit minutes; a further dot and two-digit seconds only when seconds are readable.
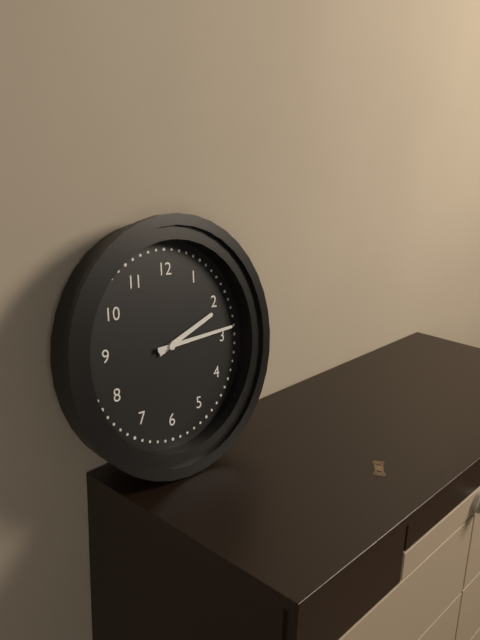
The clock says 2.14
